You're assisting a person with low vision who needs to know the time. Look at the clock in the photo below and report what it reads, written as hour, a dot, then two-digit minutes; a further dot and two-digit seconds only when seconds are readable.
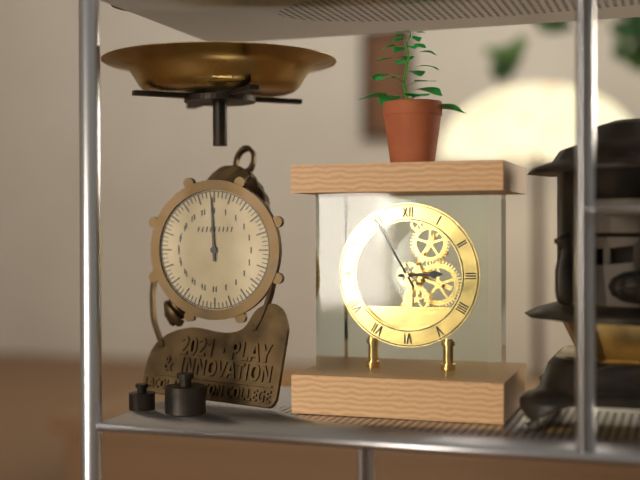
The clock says 2.55
